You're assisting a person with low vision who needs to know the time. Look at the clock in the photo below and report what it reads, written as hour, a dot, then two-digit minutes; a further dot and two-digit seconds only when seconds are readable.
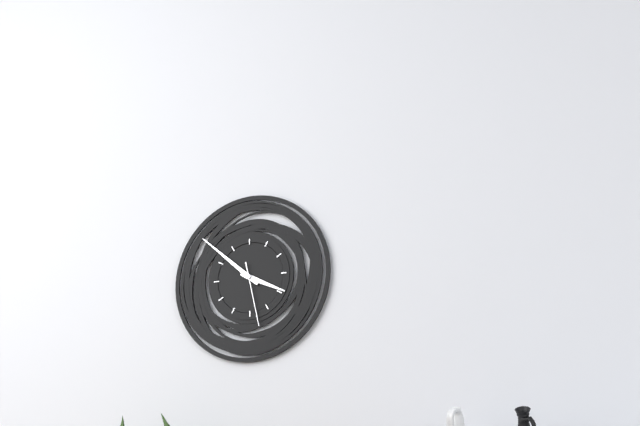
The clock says 3.52.28
